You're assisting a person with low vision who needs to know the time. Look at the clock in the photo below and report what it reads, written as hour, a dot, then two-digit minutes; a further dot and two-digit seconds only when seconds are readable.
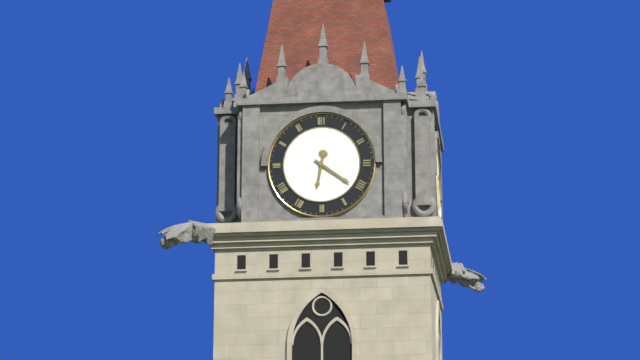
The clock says 6.21
